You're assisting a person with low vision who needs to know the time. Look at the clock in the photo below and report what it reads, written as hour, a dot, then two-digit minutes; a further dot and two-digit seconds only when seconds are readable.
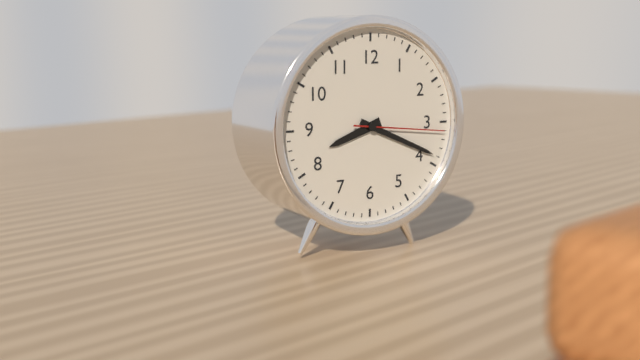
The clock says 8.19.16
